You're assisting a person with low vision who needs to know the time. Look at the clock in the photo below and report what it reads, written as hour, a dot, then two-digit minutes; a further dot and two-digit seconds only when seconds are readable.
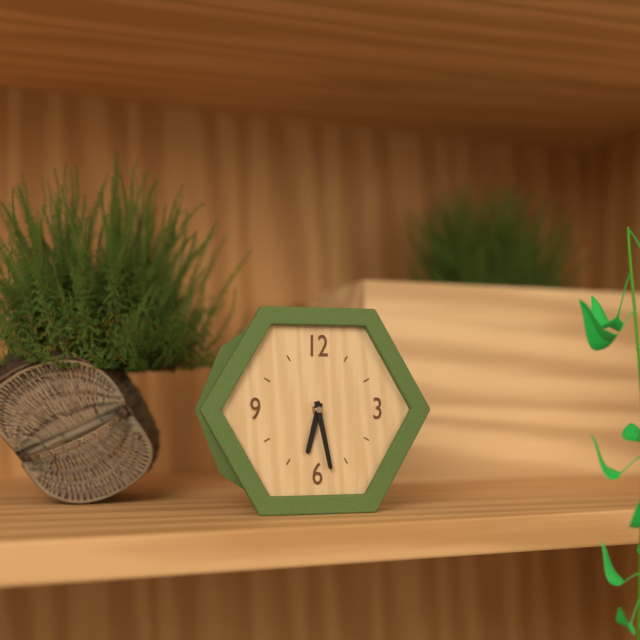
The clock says 6.28
